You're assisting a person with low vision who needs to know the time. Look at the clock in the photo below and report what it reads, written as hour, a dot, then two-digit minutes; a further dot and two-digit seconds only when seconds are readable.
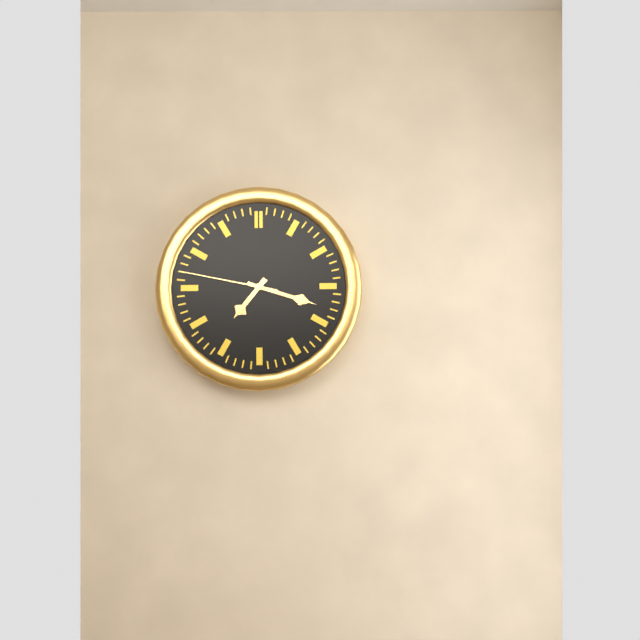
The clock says 7.18.47
